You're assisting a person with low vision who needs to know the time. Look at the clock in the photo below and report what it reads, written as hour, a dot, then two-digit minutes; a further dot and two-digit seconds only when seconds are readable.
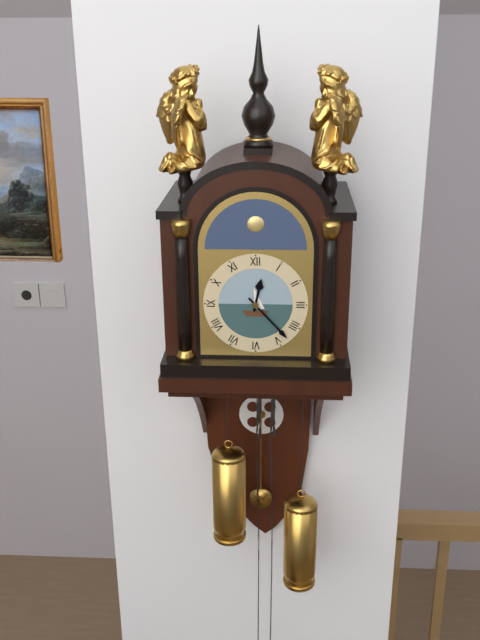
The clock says 12.23
